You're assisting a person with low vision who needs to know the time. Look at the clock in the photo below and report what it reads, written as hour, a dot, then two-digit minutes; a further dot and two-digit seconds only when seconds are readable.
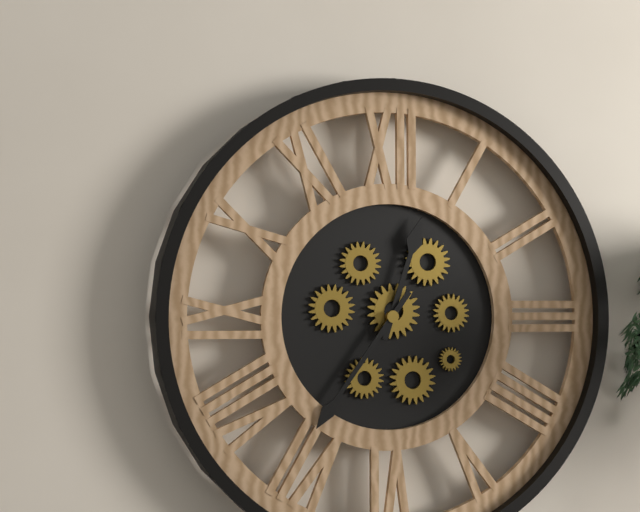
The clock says 12.36
